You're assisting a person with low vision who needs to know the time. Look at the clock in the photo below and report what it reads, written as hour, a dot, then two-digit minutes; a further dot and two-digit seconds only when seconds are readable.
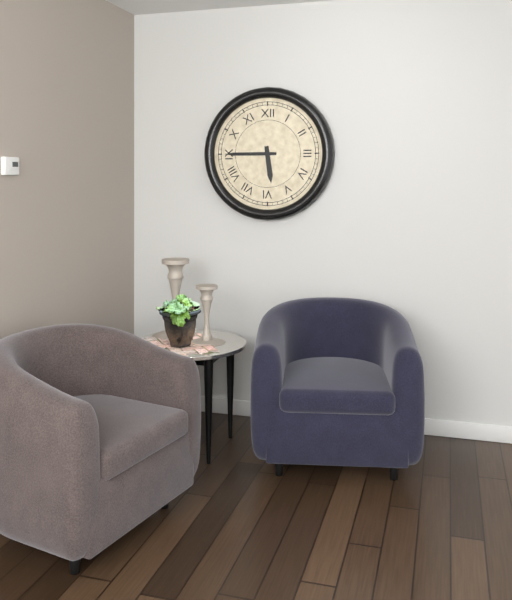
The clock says 5.45
